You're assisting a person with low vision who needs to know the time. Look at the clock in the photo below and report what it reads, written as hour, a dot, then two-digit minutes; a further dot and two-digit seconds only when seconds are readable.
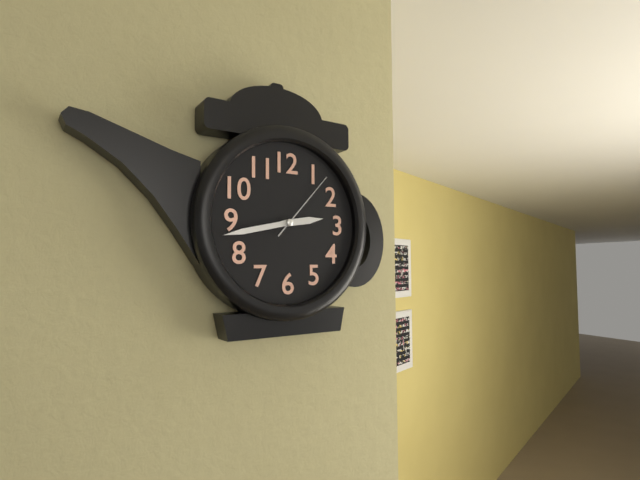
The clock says 2.43.07
